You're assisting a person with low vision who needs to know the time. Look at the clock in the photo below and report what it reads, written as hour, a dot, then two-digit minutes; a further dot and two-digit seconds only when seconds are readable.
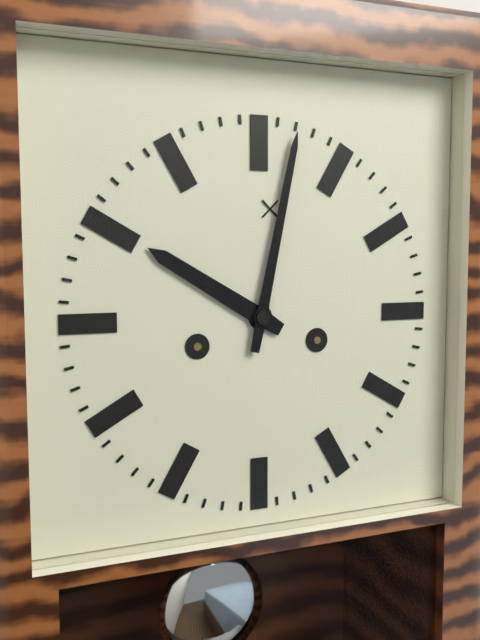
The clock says 10.02
